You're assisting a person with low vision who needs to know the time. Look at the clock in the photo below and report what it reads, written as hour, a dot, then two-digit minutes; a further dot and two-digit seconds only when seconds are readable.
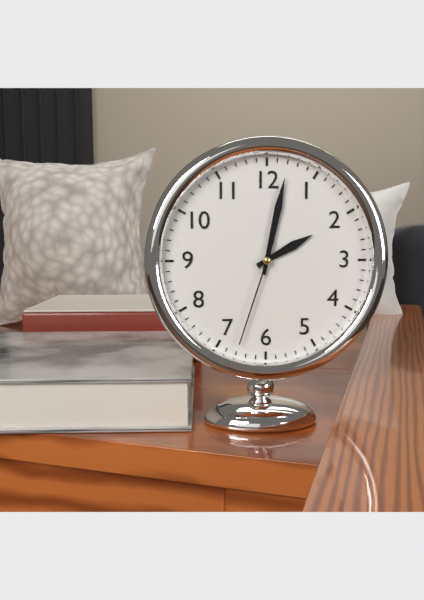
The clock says 2.02.33
